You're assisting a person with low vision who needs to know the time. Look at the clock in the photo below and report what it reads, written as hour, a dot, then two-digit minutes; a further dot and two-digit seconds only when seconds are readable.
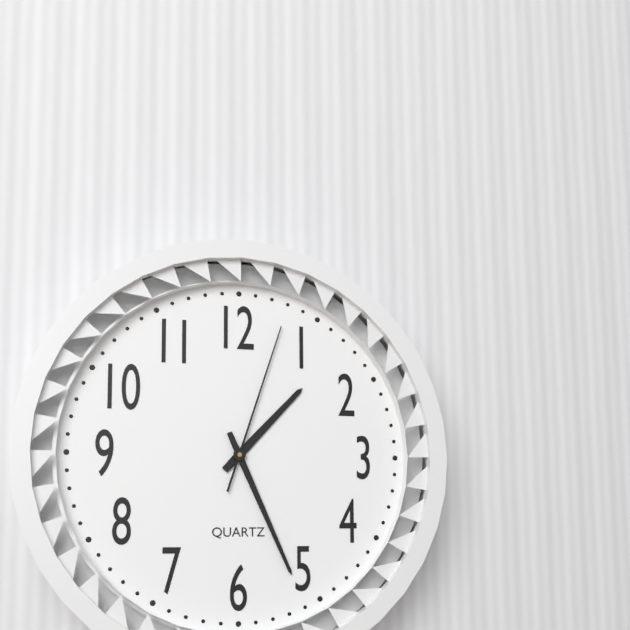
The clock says 1.26.03
